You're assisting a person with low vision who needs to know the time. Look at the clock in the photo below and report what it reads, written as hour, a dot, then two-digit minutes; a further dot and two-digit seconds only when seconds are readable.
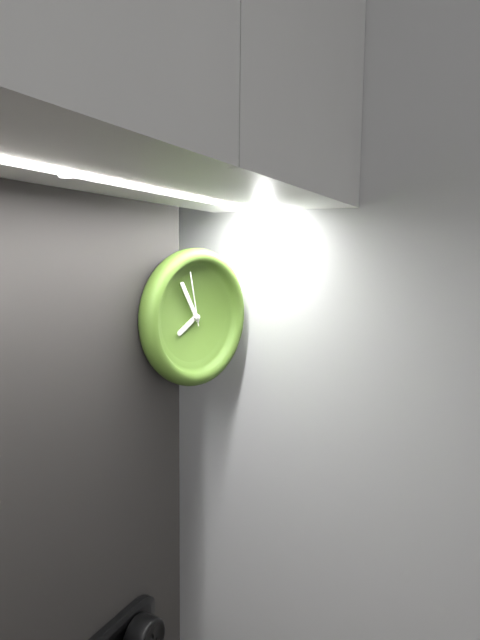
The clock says 7.55.58
